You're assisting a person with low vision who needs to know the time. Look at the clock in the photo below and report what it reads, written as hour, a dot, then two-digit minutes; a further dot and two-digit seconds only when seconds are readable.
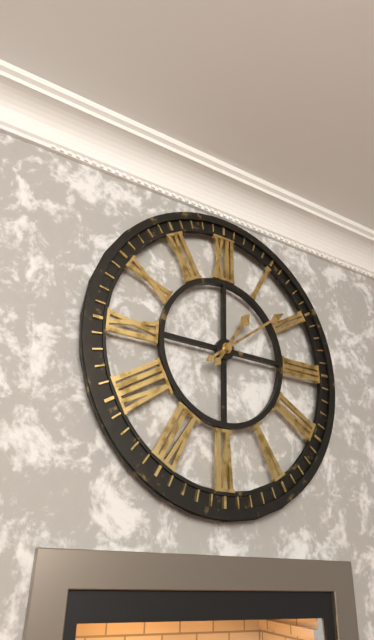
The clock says 1.09
